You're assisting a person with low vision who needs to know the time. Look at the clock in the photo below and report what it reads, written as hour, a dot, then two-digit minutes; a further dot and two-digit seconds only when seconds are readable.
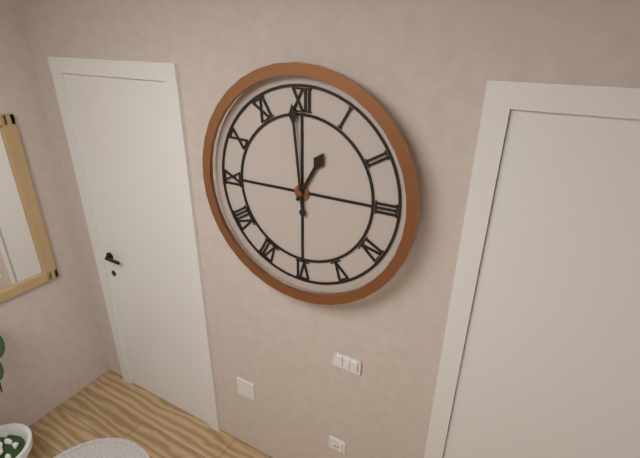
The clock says 12.59
